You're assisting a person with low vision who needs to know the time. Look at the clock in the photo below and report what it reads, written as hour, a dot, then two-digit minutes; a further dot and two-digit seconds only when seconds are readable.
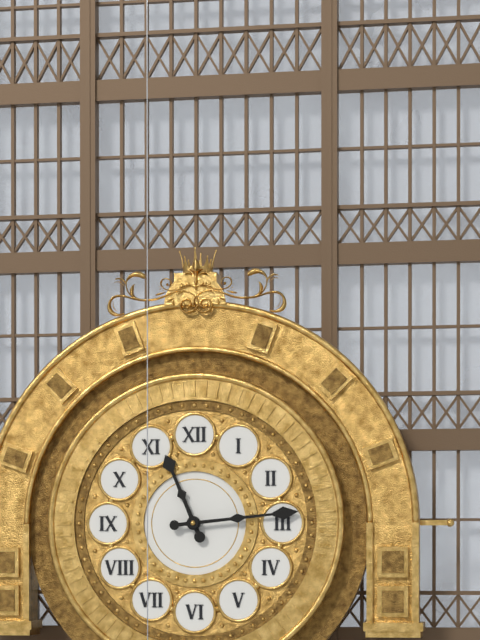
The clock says 11.14
